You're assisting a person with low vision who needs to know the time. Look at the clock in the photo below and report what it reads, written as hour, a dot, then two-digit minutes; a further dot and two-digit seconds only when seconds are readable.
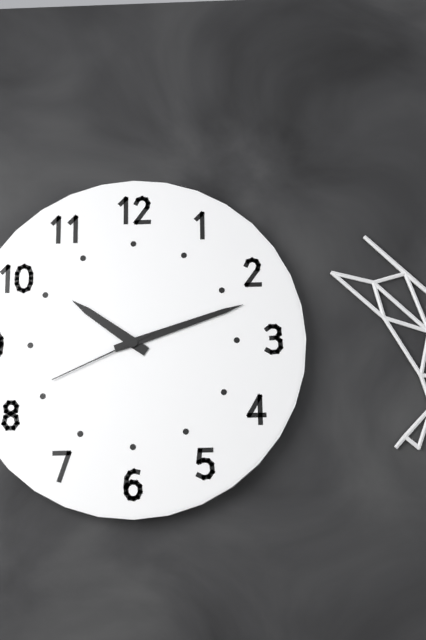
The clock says 10.12.41
